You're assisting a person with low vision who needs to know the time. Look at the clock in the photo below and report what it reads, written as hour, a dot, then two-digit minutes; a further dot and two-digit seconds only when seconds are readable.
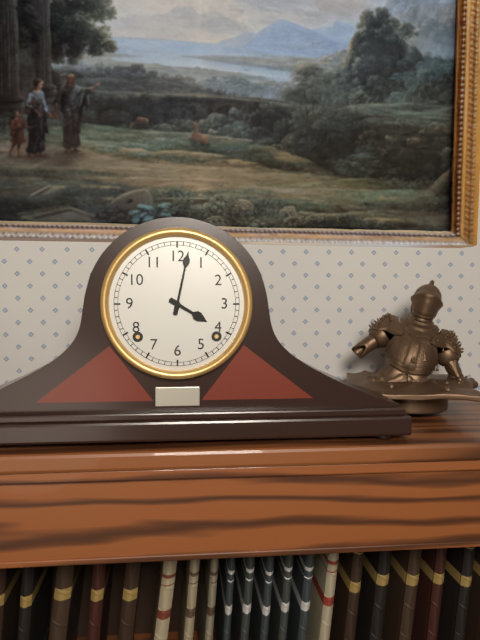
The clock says 4.02
